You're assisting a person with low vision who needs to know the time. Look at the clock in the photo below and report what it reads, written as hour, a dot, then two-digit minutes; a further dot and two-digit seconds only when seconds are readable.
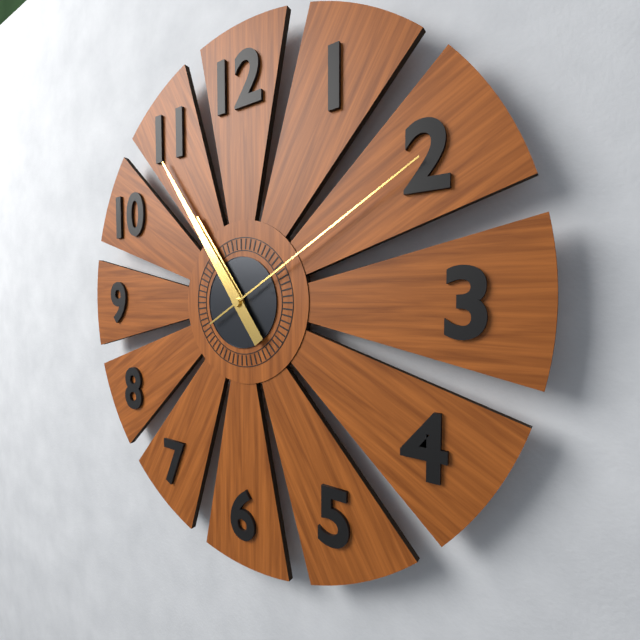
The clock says 10.54.10
